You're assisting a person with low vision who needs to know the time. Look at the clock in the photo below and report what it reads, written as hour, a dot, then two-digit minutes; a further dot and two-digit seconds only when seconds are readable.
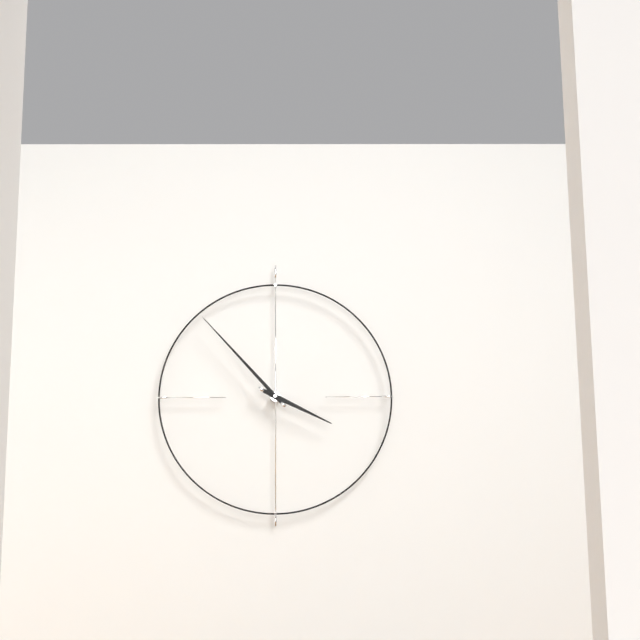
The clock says 3.53
